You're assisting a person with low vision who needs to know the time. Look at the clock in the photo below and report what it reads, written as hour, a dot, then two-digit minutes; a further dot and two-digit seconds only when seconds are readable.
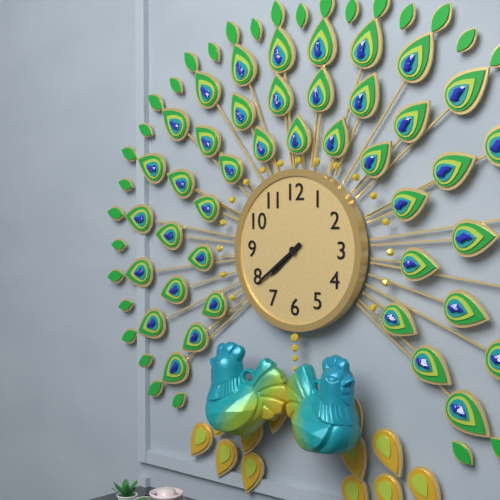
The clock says 7.39
